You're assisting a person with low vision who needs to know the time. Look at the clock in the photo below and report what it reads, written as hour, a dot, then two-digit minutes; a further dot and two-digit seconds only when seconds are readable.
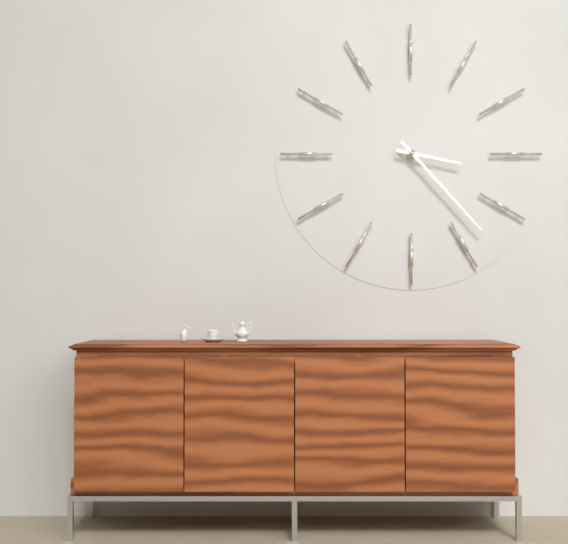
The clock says 3.23
